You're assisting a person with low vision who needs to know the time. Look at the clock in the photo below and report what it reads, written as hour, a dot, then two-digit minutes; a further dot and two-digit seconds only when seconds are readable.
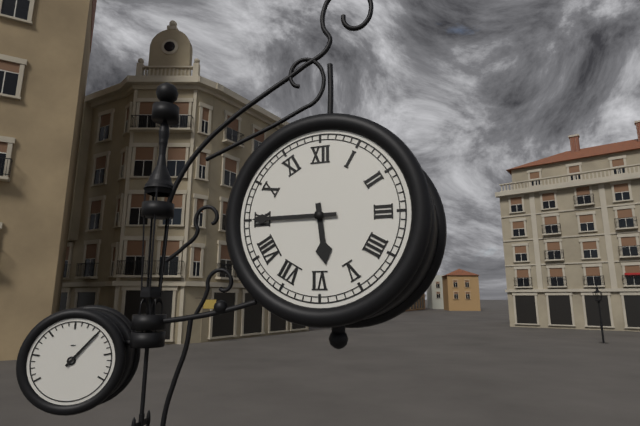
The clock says 5.45
